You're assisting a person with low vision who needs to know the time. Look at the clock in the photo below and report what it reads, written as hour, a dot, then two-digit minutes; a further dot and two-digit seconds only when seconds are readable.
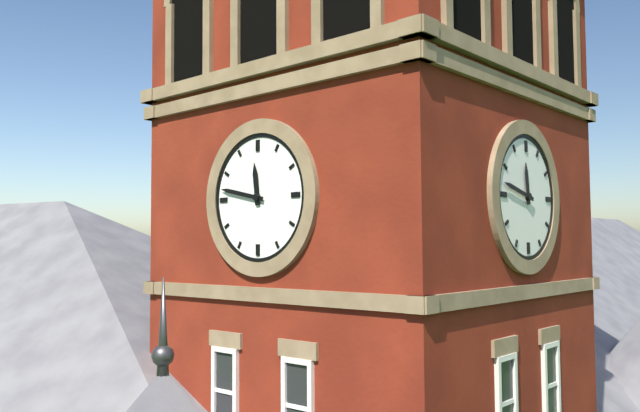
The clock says 11.47
